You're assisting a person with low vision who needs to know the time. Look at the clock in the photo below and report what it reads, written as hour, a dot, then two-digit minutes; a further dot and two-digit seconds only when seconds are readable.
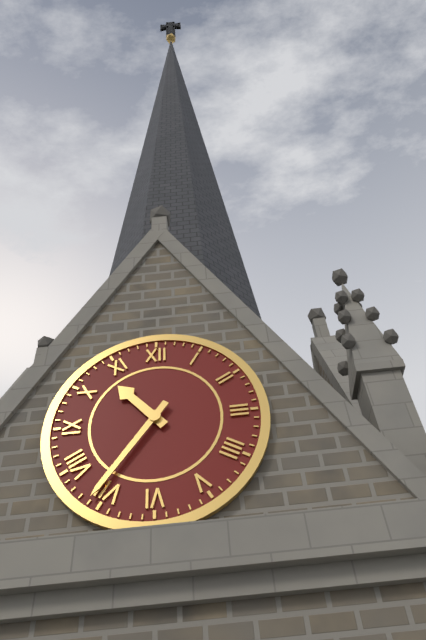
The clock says 10.36
